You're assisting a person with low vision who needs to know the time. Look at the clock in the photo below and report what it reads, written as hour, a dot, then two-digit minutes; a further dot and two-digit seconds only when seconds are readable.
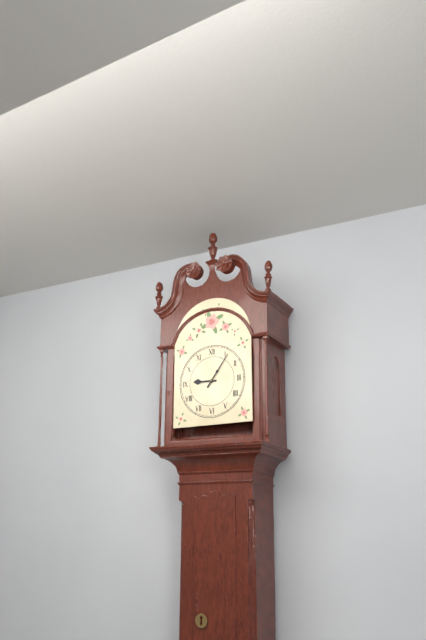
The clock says 9.06
